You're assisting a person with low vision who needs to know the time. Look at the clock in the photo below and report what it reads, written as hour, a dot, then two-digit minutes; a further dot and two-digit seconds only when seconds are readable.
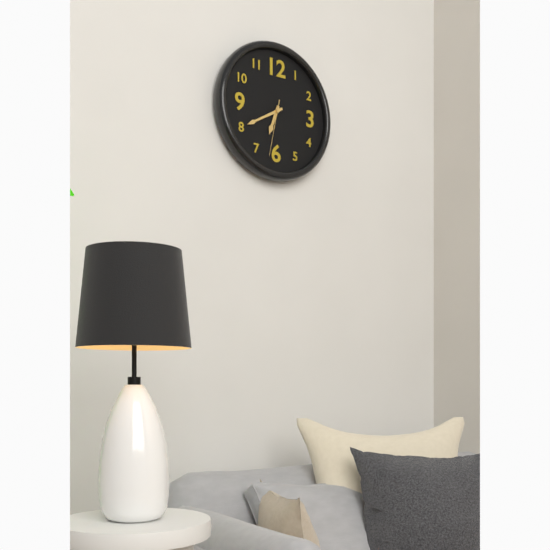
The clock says 6.40.32
